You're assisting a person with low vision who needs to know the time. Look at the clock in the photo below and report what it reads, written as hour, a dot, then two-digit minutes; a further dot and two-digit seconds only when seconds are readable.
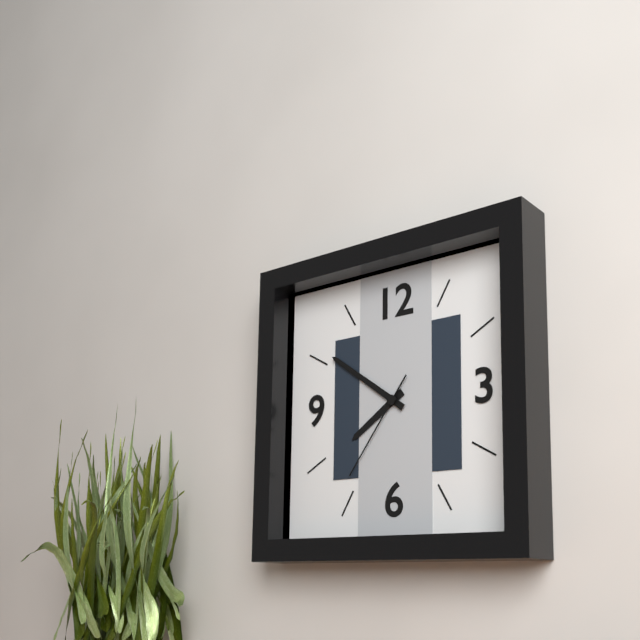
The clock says 7.51.36
